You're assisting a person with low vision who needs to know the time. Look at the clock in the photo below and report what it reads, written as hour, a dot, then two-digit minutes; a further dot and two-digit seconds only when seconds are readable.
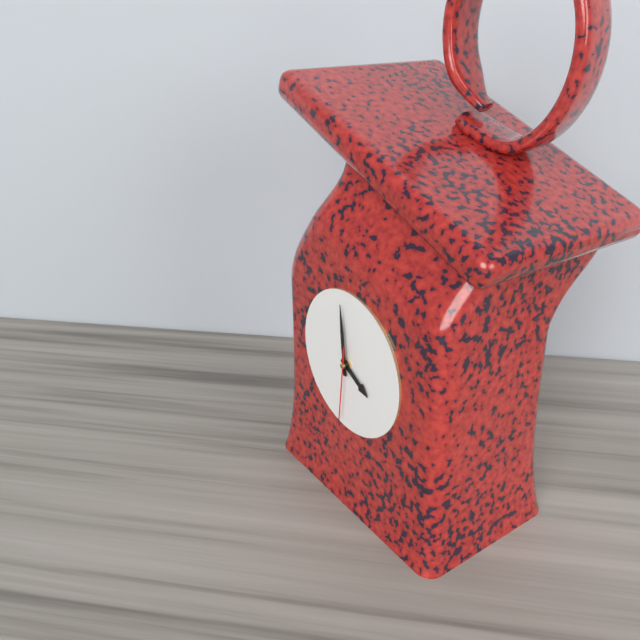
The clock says 3.59.31
